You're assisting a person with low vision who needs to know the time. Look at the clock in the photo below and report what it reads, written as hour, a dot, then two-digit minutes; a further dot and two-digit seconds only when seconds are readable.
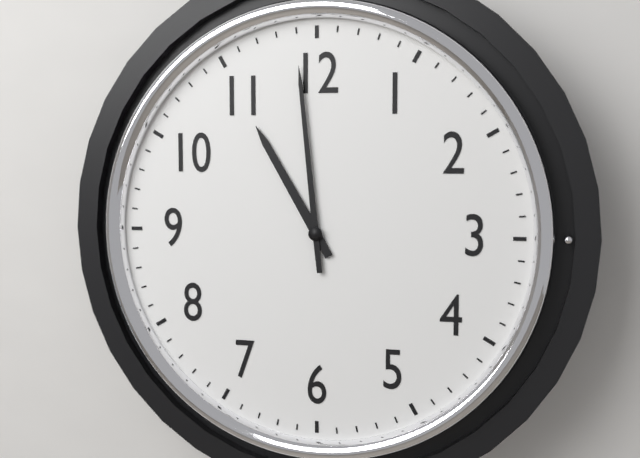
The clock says 10.59
